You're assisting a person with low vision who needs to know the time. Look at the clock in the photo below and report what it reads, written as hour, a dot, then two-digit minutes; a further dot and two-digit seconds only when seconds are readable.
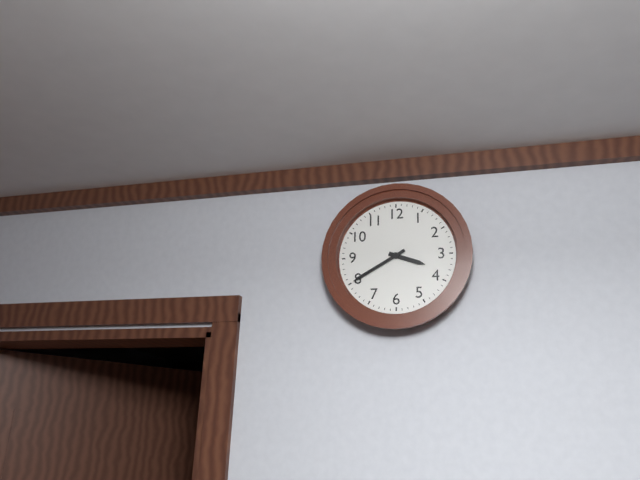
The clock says 3.40
